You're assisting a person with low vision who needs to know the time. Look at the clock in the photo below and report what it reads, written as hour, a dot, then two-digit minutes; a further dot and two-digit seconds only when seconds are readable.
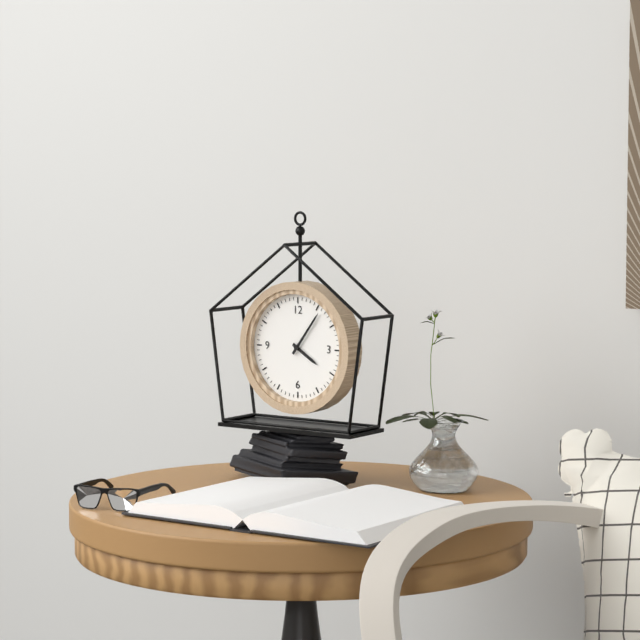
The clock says 4.06
